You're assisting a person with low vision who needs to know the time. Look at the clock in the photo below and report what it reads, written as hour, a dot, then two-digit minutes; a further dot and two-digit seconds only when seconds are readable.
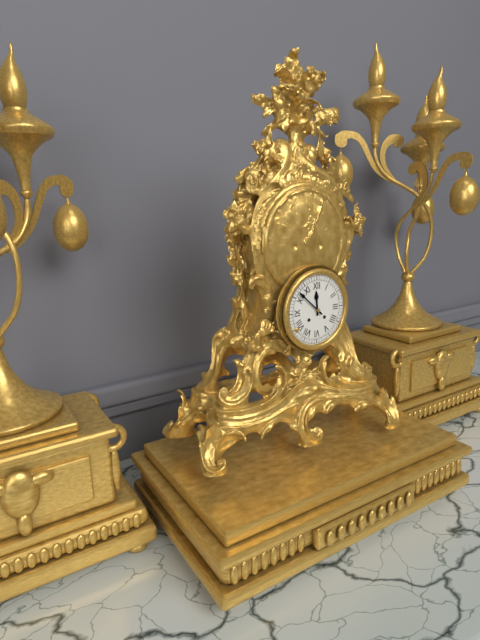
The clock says 11.52
